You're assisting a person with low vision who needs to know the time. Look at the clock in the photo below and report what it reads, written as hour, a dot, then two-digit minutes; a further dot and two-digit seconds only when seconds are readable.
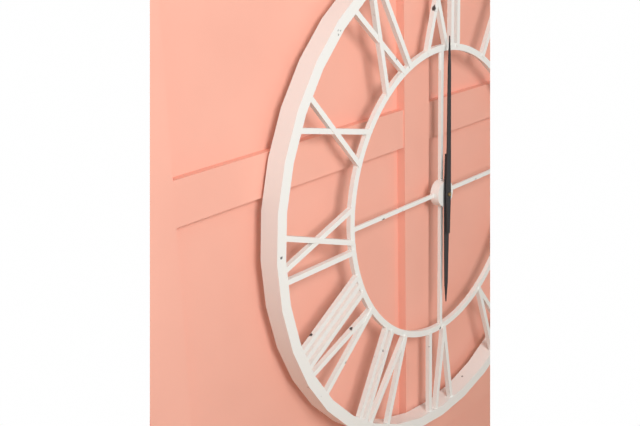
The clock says 6.00
